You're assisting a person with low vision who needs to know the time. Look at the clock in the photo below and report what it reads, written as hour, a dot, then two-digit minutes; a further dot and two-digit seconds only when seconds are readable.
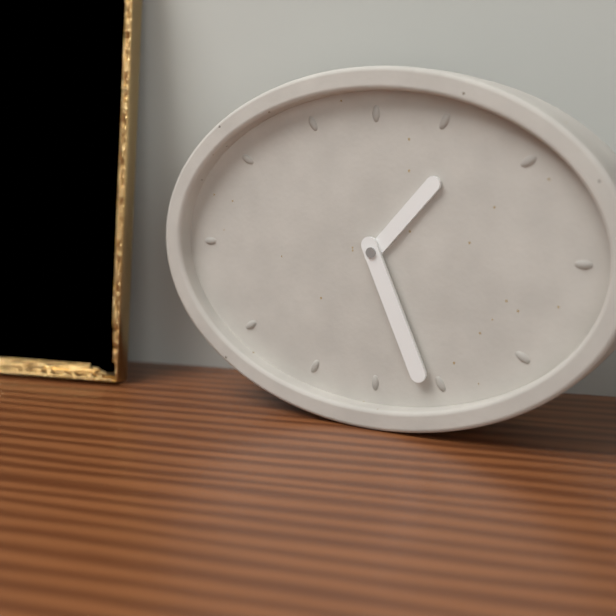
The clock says 1.26
